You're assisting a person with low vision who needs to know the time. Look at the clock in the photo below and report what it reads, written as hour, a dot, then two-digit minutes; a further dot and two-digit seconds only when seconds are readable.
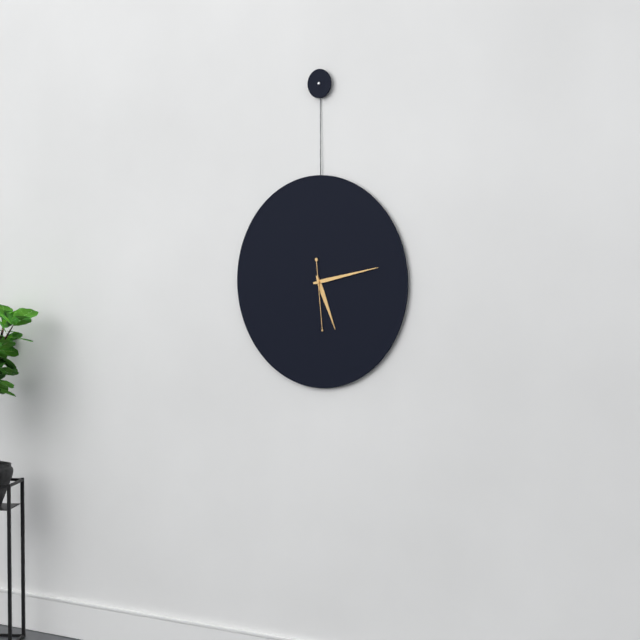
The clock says 5.13.29
